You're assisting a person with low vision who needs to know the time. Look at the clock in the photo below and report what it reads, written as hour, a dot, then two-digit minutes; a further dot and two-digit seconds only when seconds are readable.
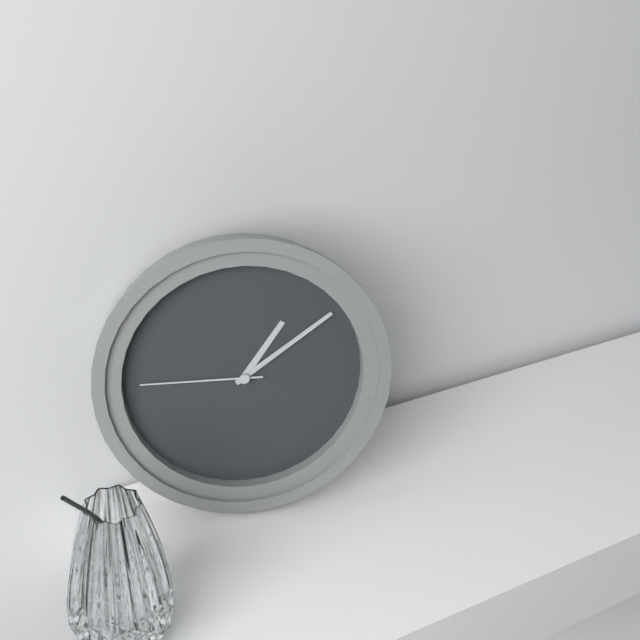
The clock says 1.09.45
